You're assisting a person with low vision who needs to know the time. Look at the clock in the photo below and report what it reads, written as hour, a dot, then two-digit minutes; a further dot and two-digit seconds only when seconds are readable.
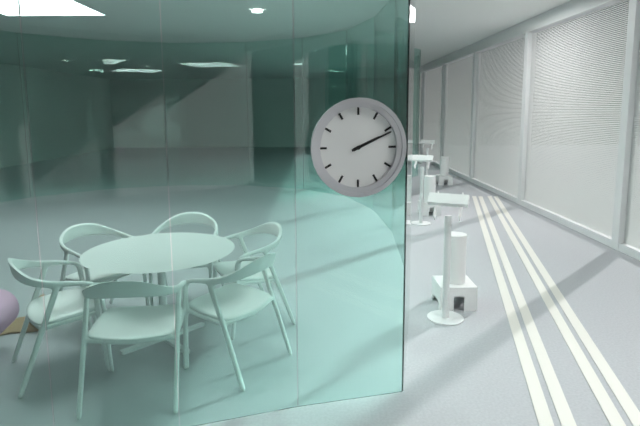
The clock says 2.11
